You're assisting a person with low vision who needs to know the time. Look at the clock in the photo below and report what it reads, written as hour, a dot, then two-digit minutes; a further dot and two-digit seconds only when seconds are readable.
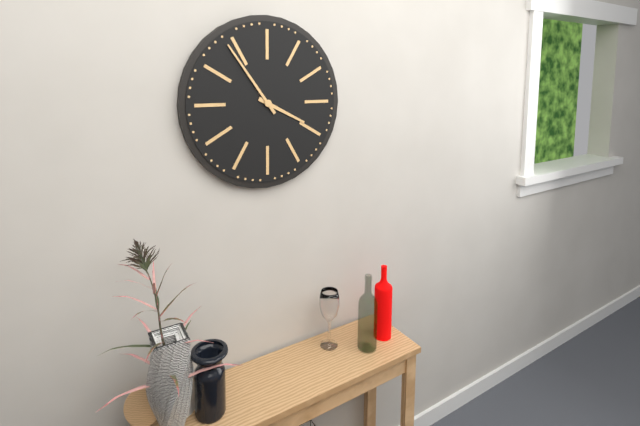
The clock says 3.54
